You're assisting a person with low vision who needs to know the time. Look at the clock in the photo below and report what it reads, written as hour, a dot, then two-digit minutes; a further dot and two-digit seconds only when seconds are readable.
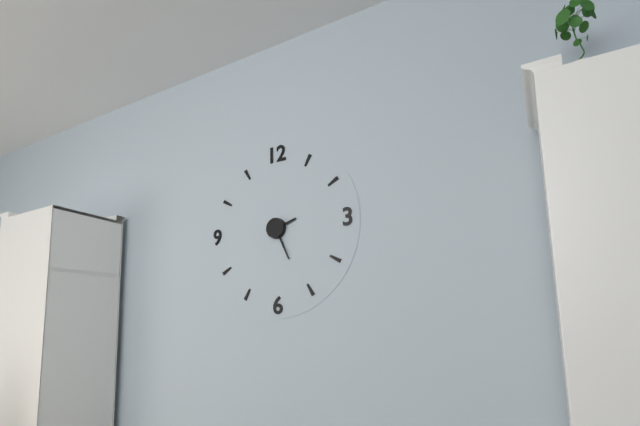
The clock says 2.26
